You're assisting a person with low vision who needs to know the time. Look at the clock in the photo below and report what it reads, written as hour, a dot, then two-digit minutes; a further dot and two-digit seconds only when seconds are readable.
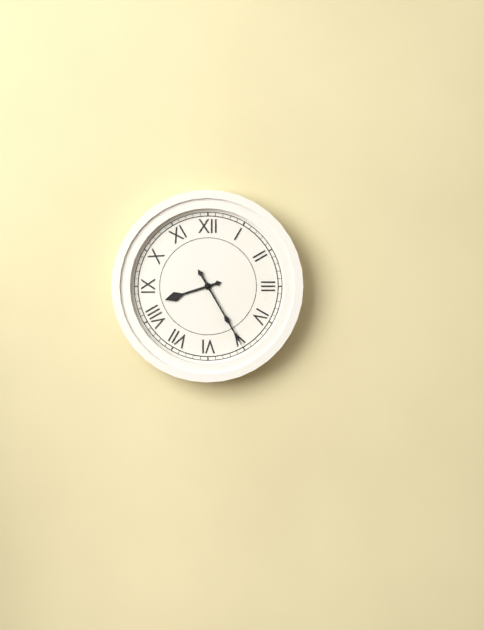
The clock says 8.25
